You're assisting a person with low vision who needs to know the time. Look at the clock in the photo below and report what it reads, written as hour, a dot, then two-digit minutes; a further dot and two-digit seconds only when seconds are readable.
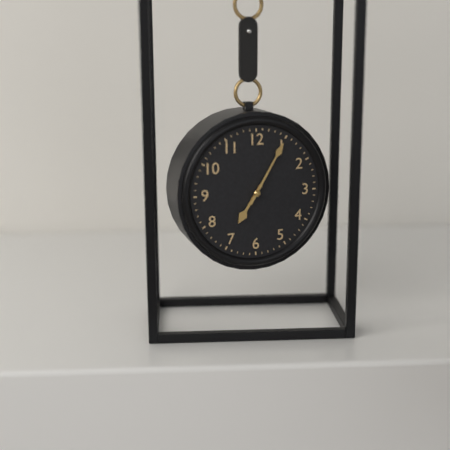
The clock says 7.05
